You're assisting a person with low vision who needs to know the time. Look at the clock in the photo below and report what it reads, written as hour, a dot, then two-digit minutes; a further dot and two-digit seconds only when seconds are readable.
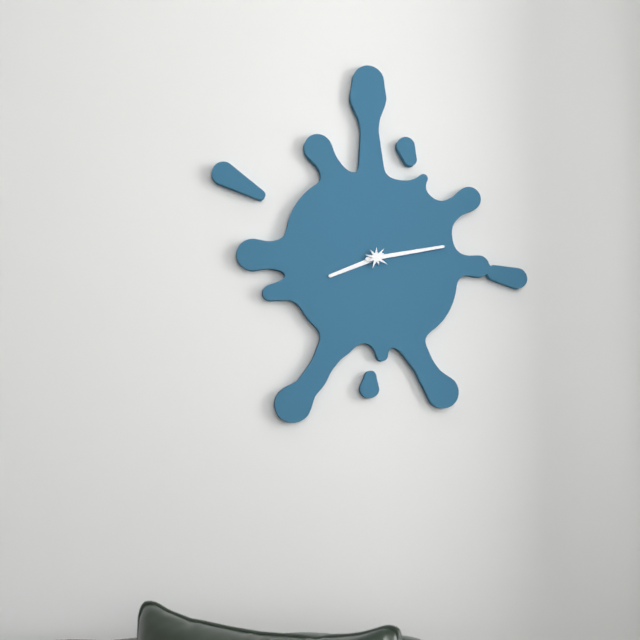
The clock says 8.13
